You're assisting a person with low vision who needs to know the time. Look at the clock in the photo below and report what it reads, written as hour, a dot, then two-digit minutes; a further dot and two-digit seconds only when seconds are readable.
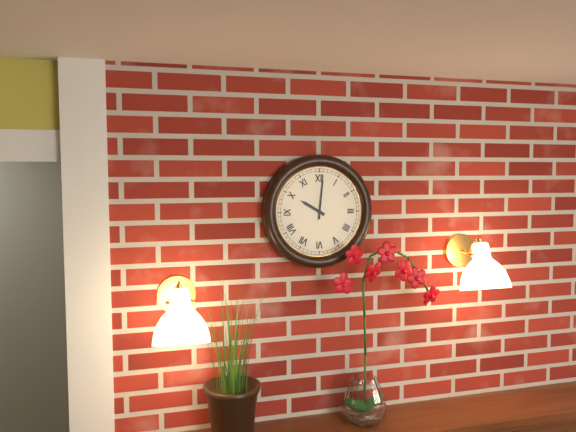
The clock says 10.01
